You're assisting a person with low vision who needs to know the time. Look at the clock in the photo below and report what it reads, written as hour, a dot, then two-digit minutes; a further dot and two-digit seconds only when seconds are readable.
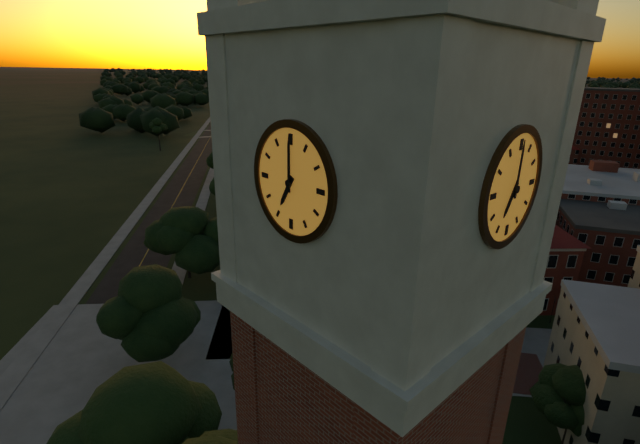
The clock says 7.00
